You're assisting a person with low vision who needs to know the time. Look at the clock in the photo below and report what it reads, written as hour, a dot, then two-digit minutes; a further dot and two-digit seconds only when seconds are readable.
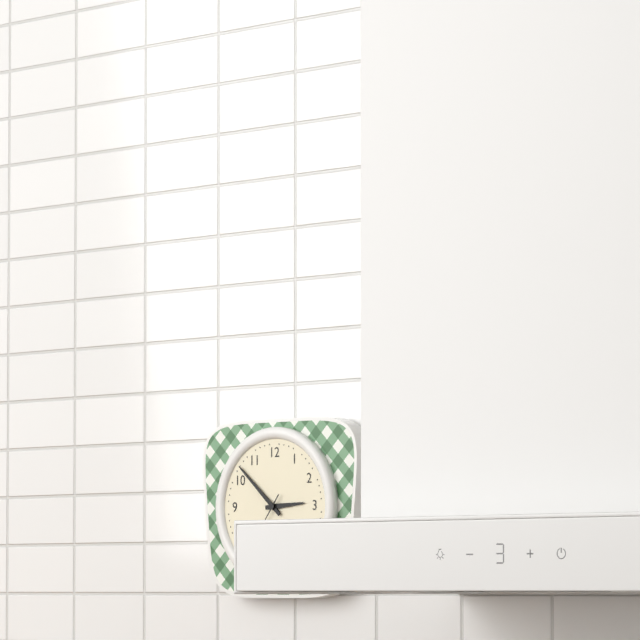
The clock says 2.52
